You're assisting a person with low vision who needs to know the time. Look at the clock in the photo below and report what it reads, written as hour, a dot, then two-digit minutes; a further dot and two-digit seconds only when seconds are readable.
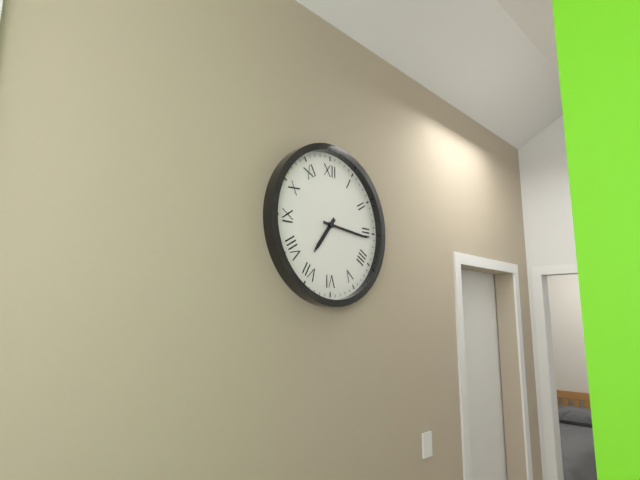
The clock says 7.16
